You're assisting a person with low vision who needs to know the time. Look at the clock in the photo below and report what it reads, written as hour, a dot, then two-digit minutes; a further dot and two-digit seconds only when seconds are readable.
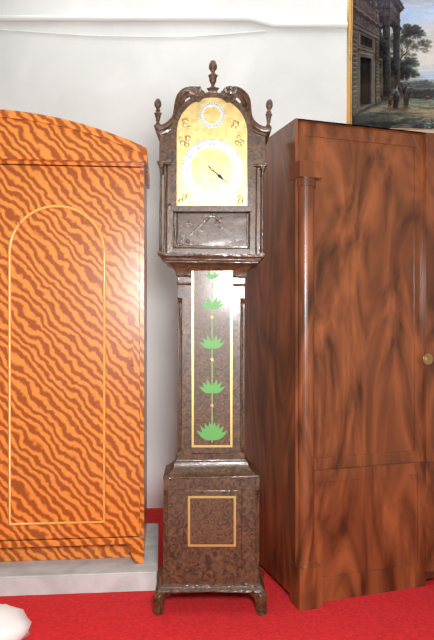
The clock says 4.22
